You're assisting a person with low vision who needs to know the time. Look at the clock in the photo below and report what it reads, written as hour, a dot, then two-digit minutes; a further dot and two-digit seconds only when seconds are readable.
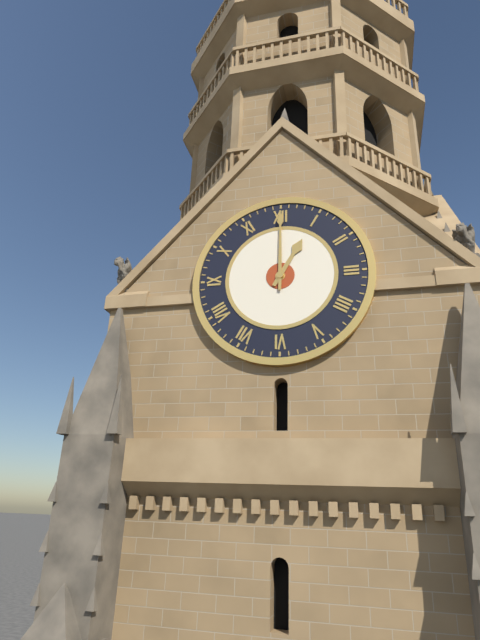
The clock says 1.00
